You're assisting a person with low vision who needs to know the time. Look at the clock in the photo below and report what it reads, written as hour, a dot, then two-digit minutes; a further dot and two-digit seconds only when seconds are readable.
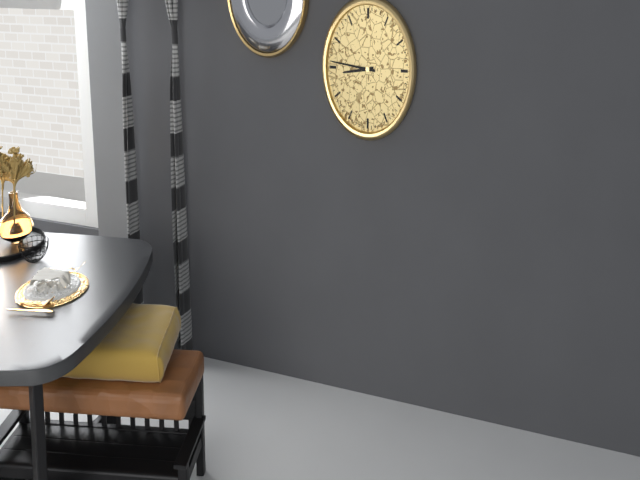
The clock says 8.46
